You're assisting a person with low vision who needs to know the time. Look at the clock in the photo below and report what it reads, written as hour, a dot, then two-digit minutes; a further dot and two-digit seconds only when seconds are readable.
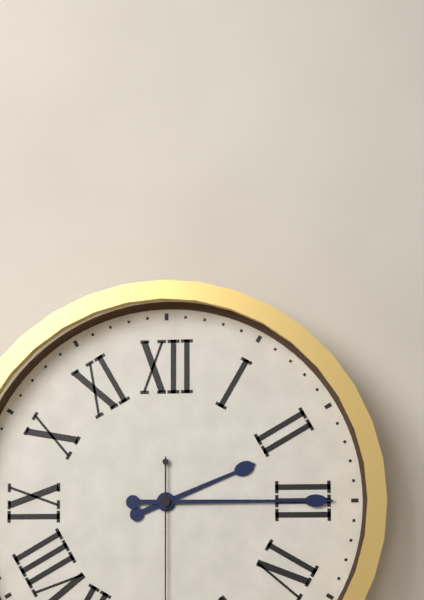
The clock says 2.15
